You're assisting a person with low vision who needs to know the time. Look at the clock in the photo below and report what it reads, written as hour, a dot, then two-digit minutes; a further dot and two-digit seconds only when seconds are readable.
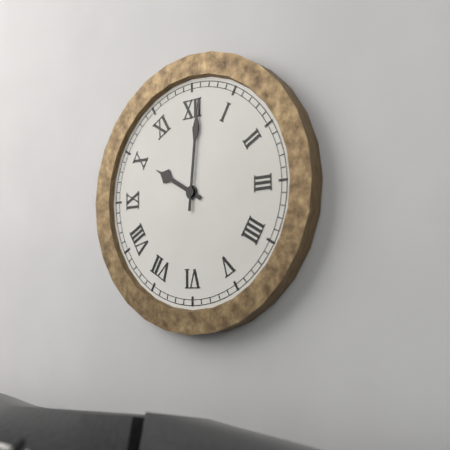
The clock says 10.01
